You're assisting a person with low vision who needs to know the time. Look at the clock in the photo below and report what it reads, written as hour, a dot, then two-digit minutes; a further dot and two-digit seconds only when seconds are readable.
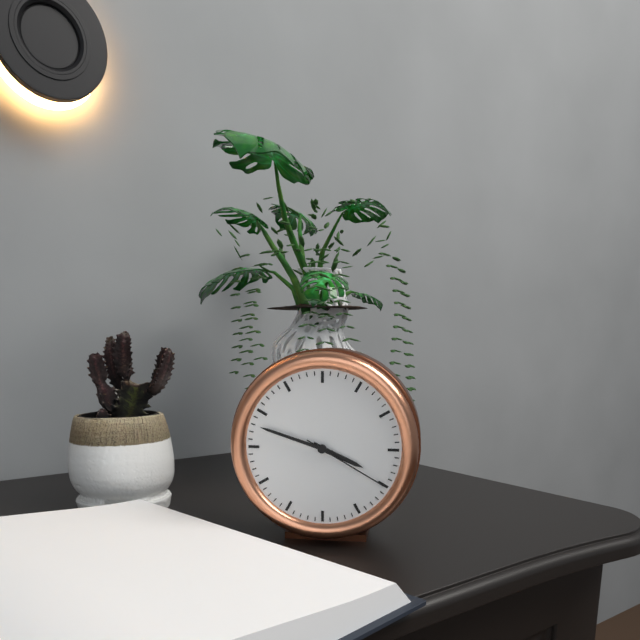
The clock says 3.48.20
